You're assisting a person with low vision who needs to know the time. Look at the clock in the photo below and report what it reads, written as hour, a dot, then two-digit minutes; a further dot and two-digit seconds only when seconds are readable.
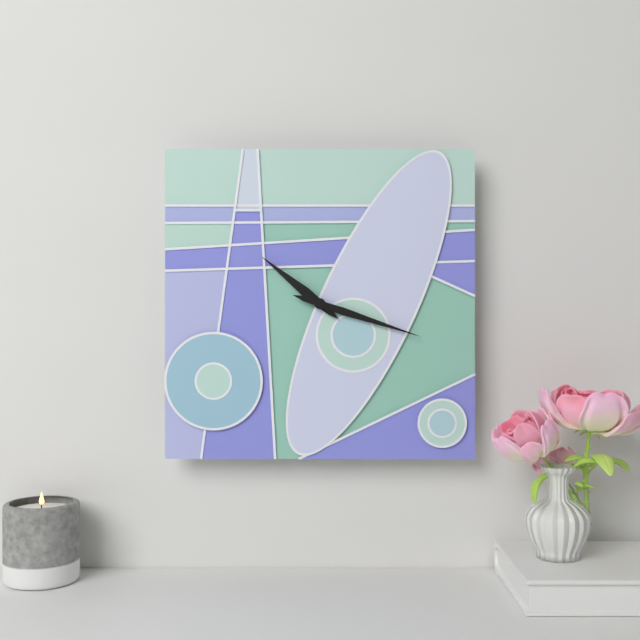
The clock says 10.18
